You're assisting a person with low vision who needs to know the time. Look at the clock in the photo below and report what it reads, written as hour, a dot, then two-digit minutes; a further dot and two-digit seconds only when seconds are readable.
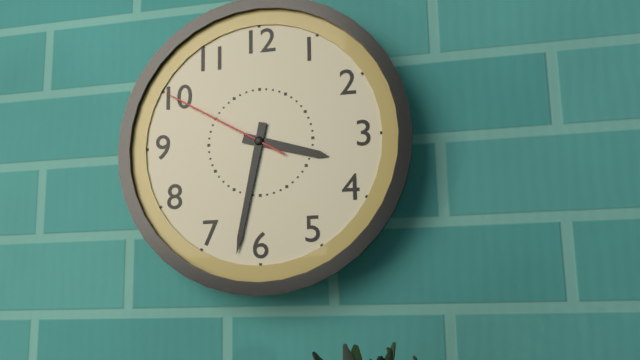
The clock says 3.32.50
